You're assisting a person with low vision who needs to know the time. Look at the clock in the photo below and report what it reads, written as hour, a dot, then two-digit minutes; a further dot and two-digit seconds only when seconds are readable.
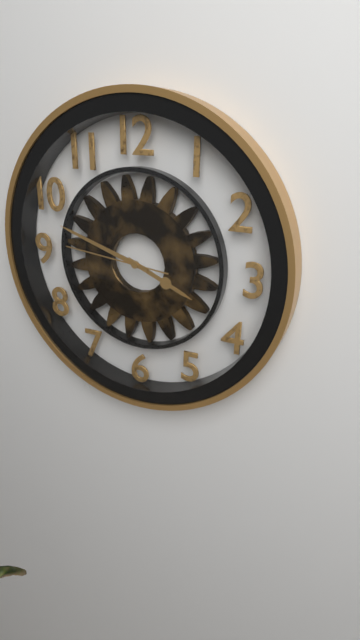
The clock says 3.48.46
